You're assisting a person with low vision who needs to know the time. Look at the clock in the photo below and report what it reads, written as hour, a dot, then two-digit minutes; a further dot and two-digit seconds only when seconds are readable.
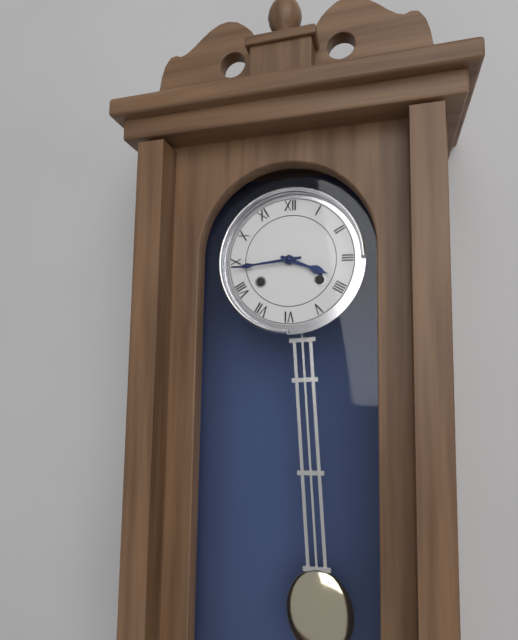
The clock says 3.44
